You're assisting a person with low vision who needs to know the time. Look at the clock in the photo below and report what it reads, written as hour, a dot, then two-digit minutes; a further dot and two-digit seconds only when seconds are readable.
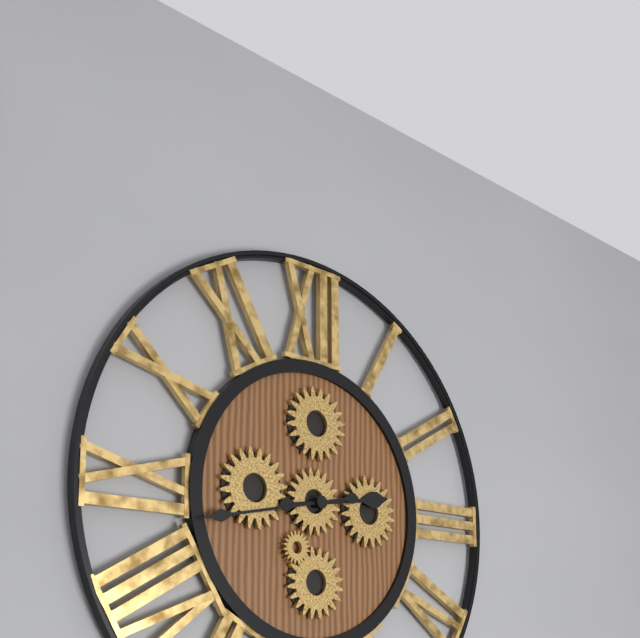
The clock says 2.43
